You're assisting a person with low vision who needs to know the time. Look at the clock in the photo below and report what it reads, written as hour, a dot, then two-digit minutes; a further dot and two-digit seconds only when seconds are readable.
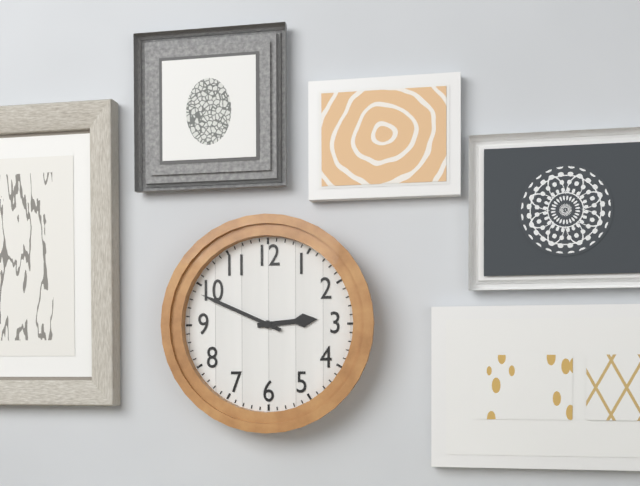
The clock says 2.49
